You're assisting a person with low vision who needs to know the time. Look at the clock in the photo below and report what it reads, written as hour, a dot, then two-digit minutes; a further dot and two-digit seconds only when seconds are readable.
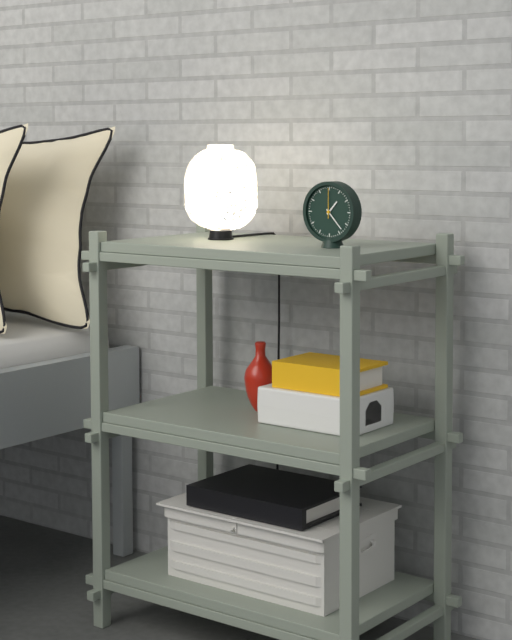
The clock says 1.23
